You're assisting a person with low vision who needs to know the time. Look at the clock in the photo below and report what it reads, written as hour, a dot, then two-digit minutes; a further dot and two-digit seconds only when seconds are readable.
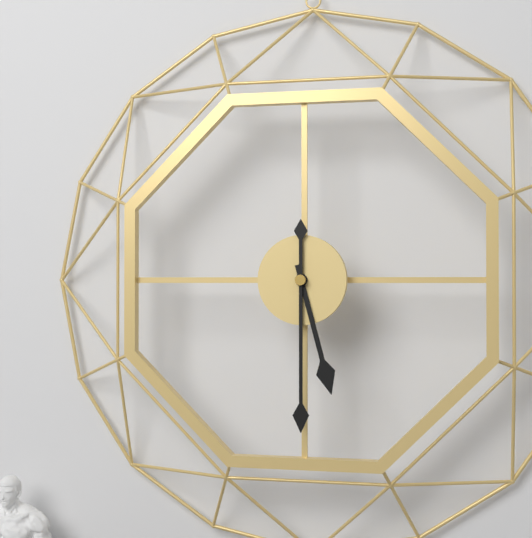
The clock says 5.30
